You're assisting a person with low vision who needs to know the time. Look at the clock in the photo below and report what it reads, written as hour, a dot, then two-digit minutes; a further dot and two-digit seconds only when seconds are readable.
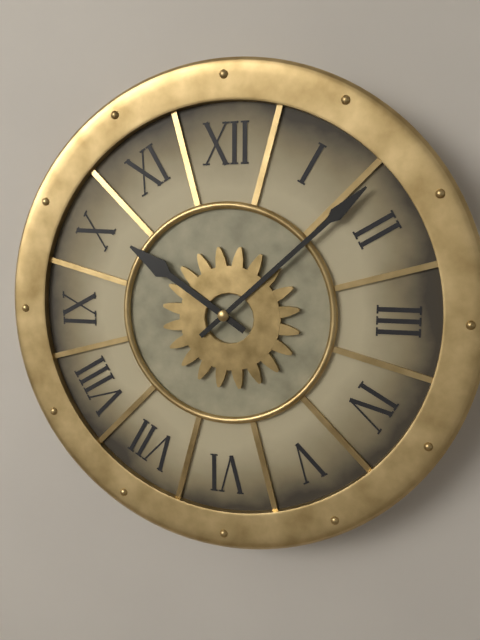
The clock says 10.08
